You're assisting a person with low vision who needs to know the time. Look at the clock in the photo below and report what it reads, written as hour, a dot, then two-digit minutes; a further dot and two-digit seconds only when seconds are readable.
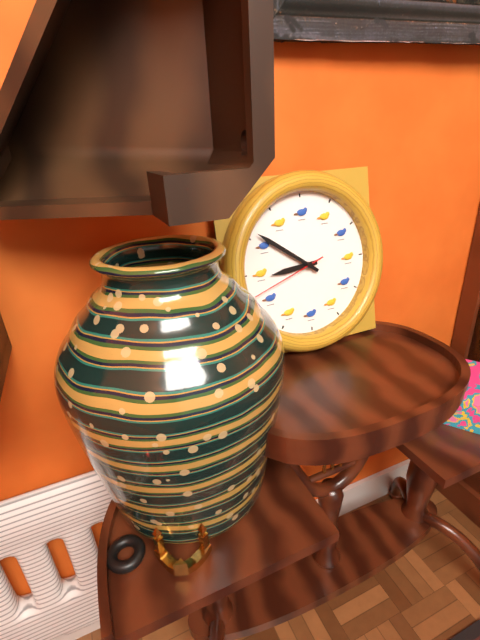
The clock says 8.51.42
